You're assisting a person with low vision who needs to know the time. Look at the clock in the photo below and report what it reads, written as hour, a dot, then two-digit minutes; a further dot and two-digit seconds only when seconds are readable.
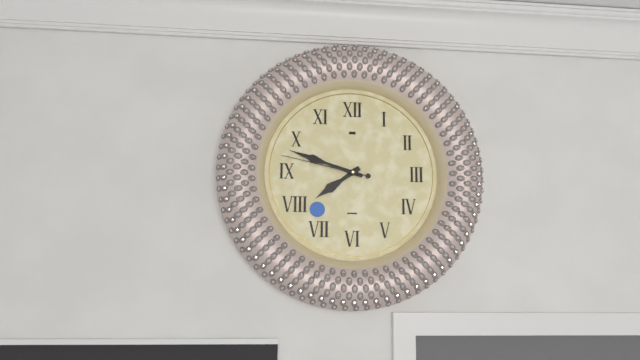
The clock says 7.48.47
